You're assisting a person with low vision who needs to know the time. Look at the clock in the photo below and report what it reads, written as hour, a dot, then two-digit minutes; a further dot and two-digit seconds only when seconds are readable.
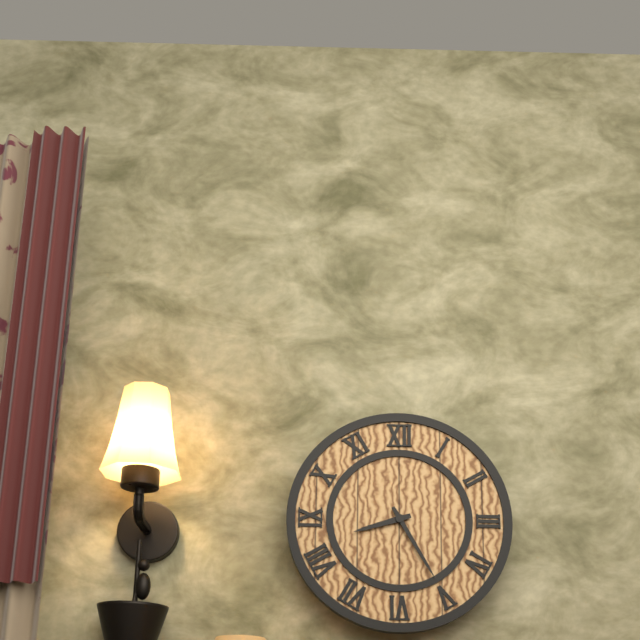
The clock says 8.25
